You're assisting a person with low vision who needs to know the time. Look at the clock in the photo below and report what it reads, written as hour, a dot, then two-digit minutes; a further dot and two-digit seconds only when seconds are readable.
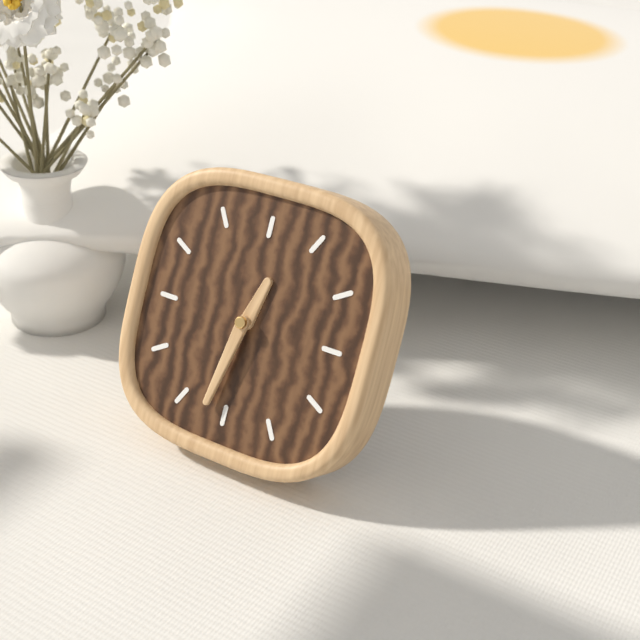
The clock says 12.32
